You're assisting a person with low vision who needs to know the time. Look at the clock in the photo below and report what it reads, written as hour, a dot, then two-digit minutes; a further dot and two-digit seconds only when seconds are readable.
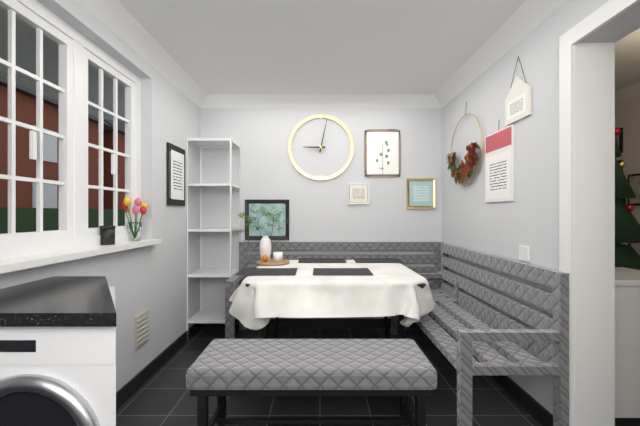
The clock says 9.02
